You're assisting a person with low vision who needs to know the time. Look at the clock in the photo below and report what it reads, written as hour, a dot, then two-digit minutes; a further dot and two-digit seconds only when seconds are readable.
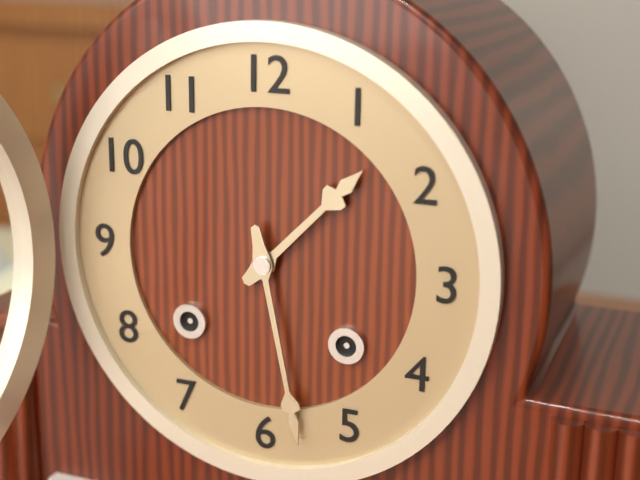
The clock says 1.28
